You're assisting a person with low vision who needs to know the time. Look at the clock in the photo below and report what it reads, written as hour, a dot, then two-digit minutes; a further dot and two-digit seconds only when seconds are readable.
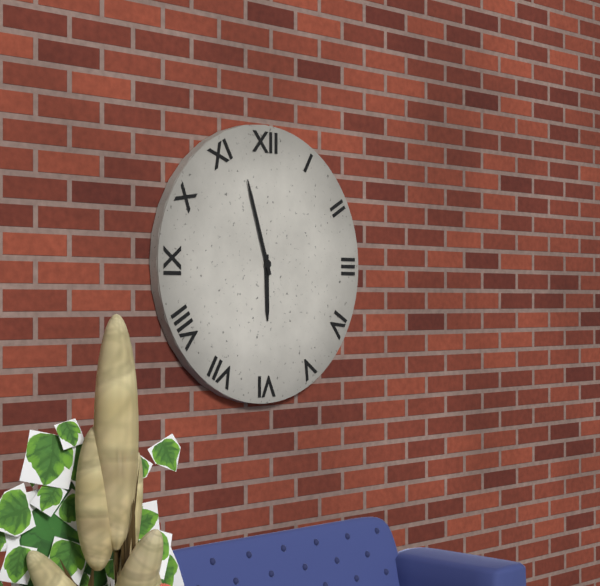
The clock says 5.57
